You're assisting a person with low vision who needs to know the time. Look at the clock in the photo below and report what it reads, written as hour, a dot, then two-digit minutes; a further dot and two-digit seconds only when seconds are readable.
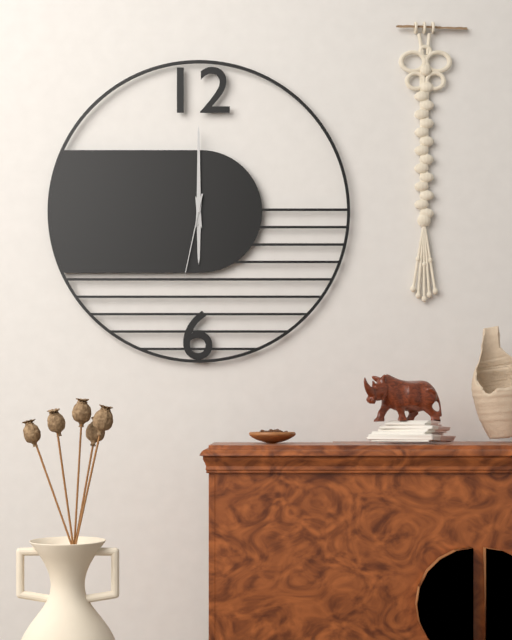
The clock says 6.00.32
